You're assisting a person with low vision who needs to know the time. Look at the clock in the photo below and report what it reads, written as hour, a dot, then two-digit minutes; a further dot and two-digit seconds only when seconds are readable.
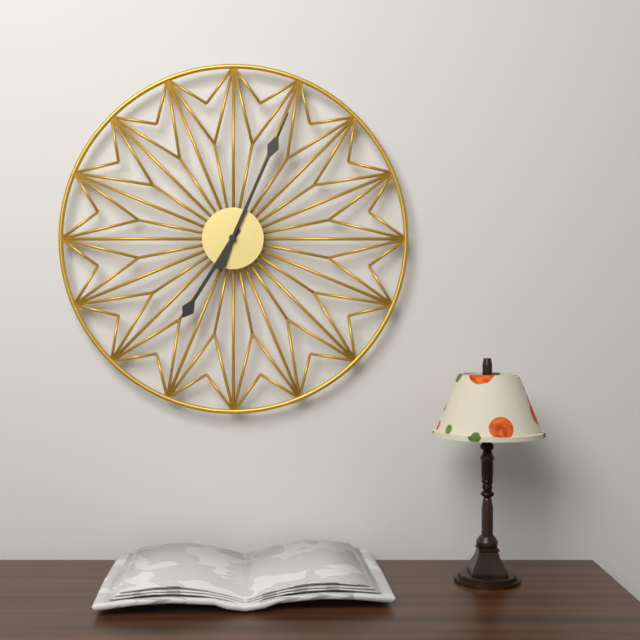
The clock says 7.04
